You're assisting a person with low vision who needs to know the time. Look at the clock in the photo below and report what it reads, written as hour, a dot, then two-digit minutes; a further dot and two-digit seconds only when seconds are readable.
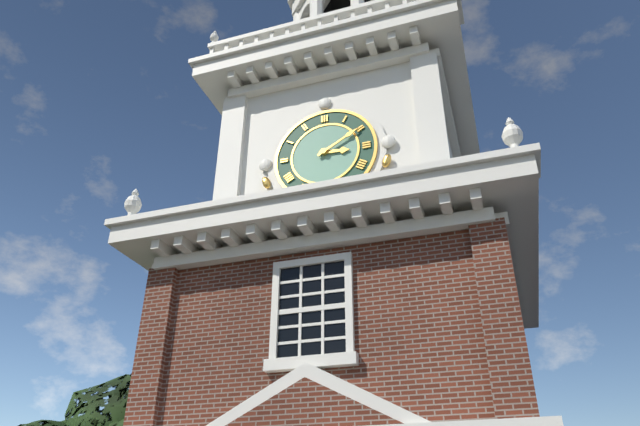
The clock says 3.10
